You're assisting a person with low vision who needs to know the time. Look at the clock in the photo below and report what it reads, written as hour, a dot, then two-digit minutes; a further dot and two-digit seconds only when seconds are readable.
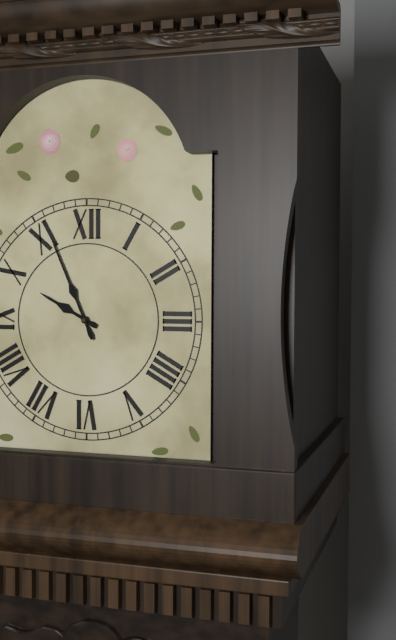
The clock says 9.56
